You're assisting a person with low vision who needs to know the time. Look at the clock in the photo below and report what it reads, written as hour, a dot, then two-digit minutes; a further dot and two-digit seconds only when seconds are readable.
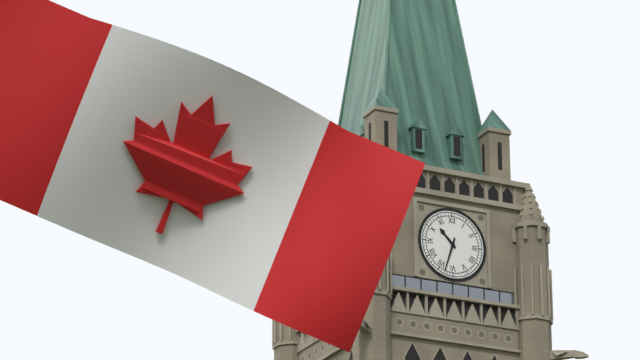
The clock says 10.33
